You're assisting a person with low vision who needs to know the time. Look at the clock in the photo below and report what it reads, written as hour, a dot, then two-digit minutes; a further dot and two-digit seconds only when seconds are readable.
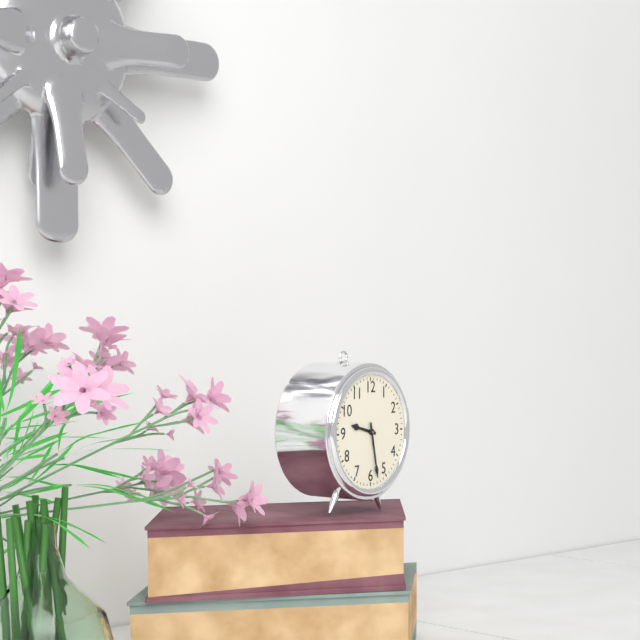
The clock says 9.28
